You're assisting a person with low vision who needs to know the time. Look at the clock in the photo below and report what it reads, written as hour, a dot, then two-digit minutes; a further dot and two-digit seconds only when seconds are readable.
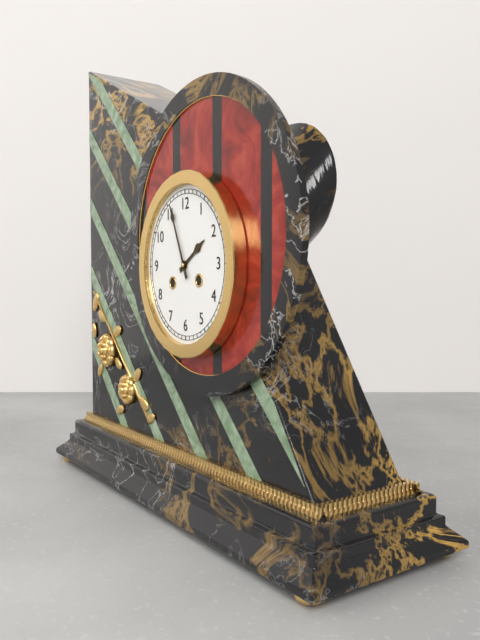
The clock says 1.56
